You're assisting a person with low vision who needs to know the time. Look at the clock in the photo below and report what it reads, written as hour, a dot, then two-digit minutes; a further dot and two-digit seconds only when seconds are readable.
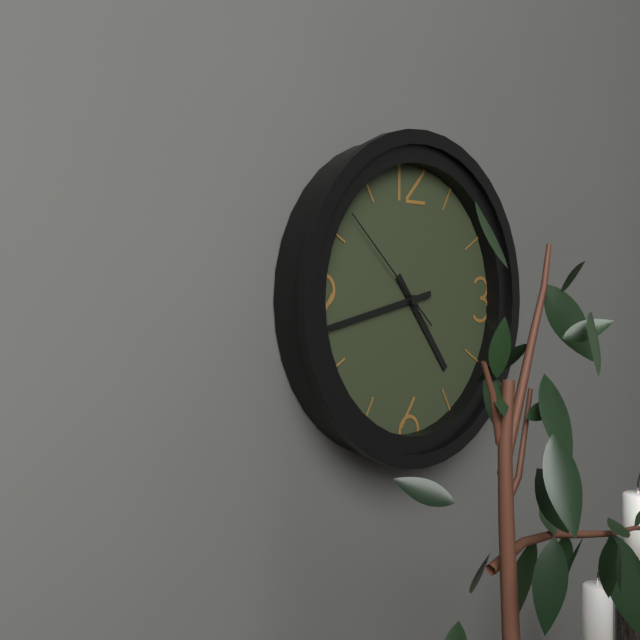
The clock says 4.43.52
